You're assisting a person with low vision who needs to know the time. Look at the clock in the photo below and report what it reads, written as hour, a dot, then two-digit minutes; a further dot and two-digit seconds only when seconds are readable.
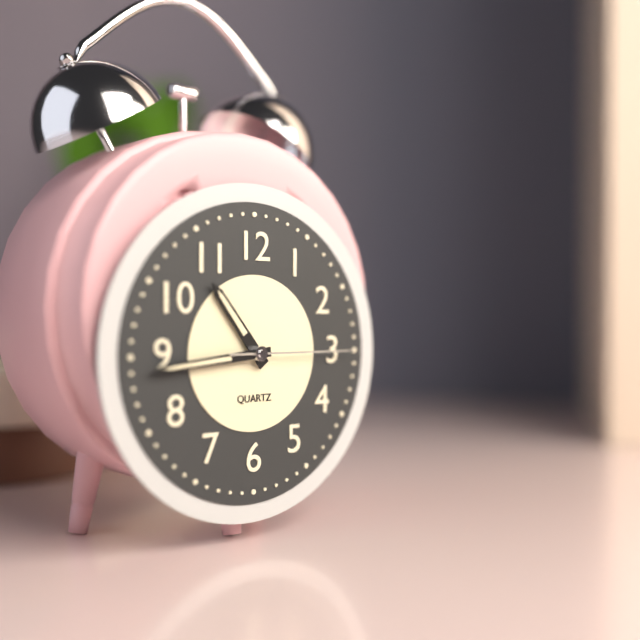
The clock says 10.44.15
